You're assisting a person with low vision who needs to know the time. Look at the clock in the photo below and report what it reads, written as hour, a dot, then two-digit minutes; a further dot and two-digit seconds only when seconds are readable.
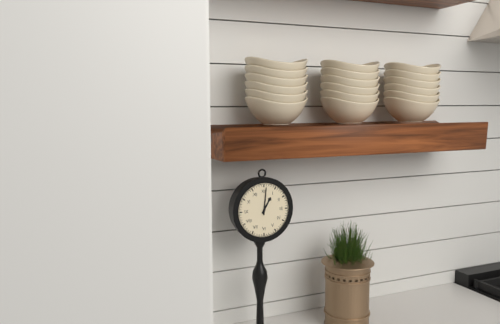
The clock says 1.01
